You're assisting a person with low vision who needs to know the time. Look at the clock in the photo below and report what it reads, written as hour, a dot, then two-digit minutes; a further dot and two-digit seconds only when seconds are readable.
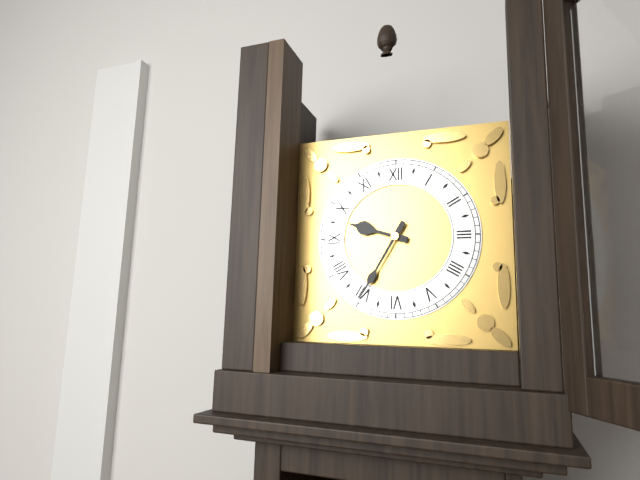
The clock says 9.35
